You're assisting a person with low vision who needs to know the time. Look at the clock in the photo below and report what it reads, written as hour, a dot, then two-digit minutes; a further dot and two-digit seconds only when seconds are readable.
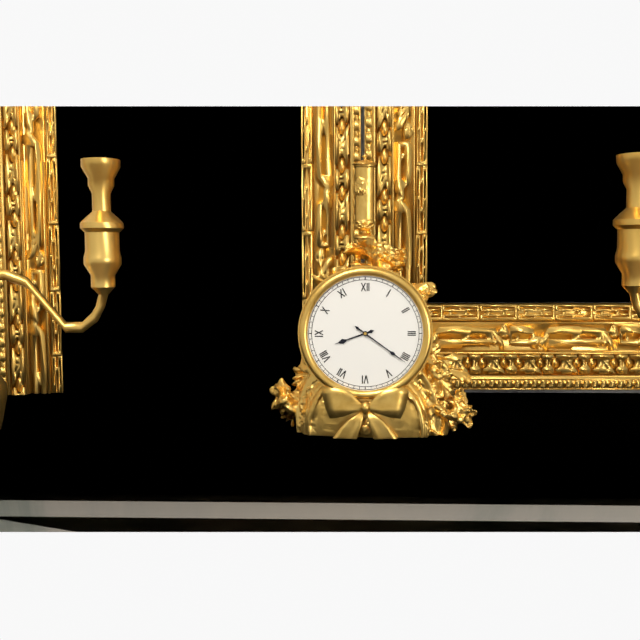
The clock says 8.21
